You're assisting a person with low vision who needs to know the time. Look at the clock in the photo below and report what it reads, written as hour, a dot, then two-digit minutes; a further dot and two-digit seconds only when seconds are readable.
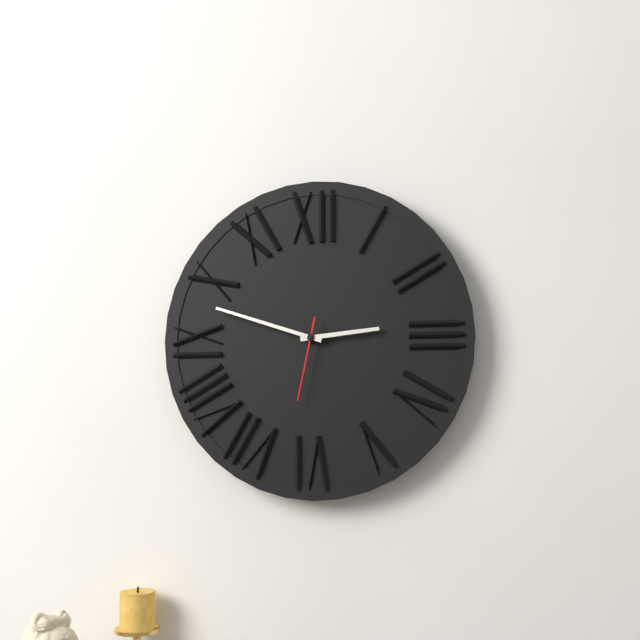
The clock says 2.48.32
